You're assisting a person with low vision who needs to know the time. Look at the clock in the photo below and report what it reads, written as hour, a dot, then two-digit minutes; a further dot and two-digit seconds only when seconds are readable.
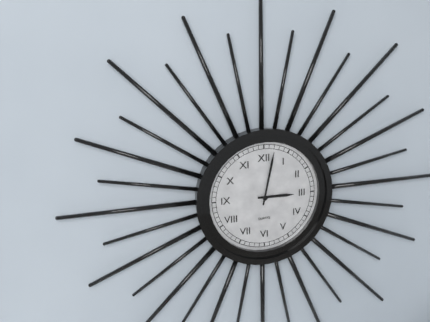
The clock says 3.02
